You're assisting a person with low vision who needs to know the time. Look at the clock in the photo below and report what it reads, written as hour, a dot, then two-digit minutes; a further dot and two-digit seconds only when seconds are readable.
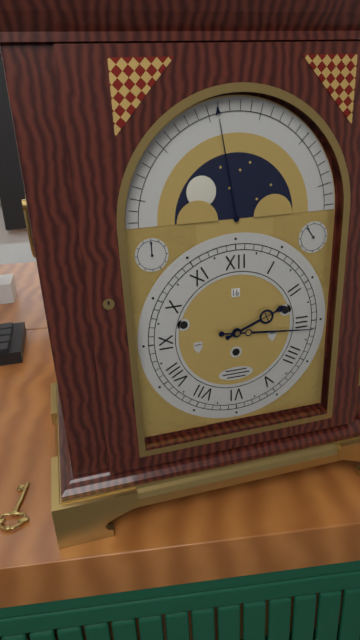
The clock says 2.16
